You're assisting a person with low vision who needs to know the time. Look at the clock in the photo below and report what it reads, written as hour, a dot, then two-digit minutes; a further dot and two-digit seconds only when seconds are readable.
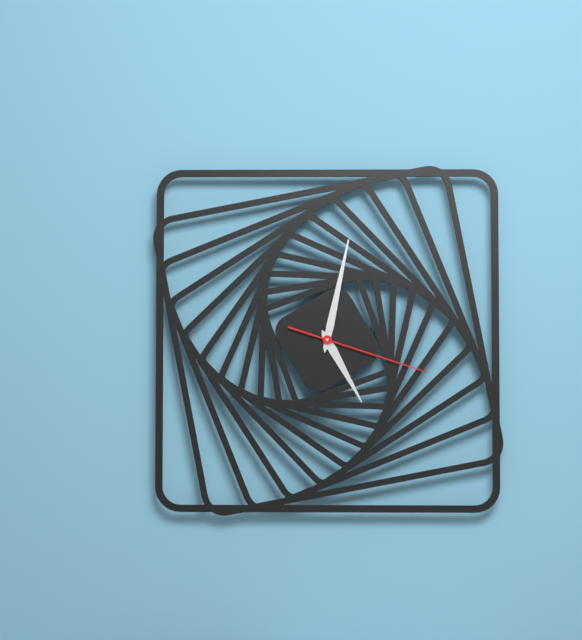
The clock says 5.02.18
